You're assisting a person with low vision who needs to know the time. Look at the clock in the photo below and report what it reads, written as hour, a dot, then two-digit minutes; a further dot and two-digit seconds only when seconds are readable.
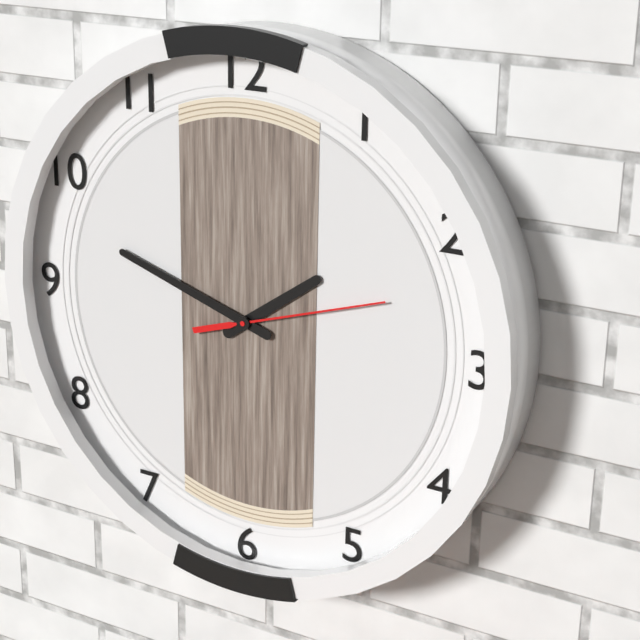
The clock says 1.48.12
